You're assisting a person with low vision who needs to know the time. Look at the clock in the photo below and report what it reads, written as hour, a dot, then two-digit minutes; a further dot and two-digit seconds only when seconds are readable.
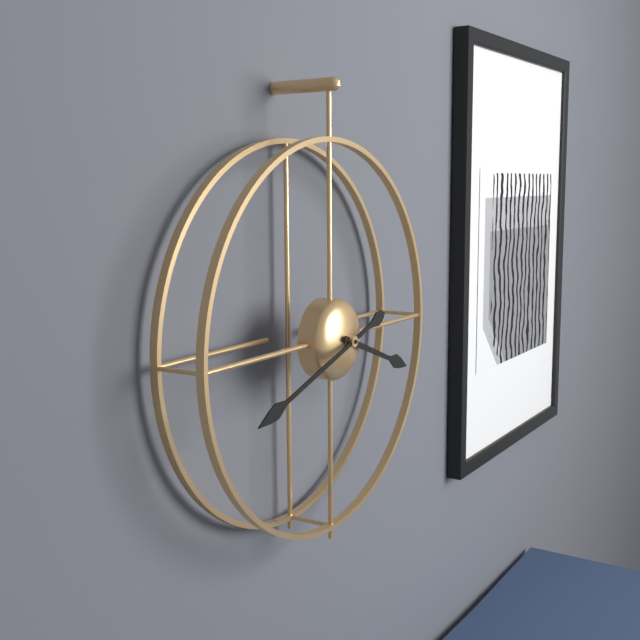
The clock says 3.42
